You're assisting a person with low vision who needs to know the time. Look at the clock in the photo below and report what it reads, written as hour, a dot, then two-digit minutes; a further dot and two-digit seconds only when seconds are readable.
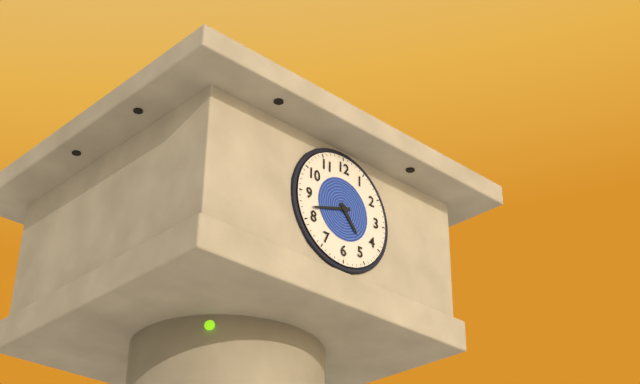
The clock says 4.42
